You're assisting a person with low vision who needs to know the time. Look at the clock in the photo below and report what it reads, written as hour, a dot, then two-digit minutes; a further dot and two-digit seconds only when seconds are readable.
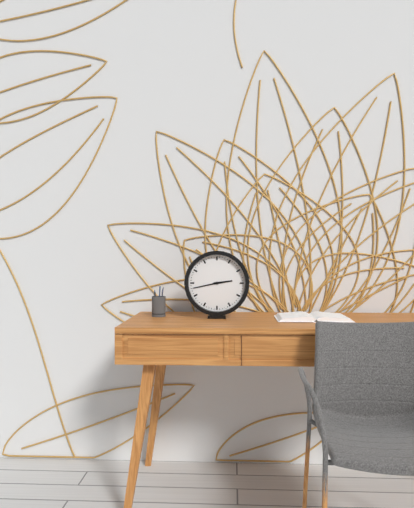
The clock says 2.43
